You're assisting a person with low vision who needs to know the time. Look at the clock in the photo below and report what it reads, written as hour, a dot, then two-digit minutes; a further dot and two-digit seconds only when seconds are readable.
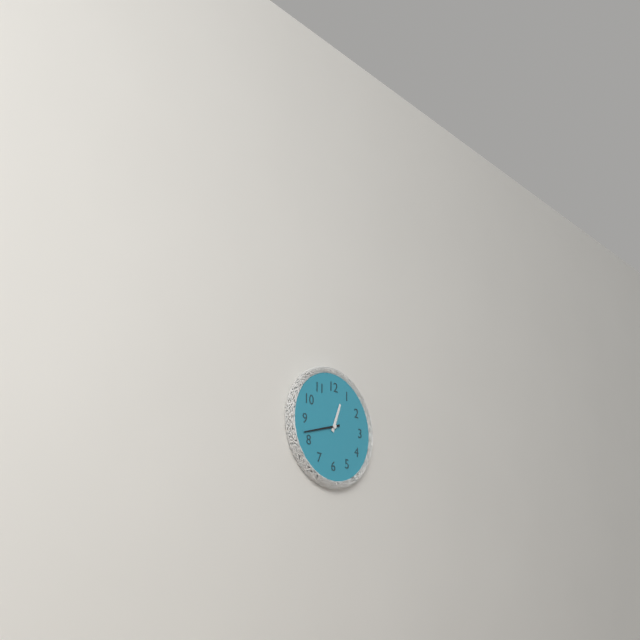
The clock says 12.42
